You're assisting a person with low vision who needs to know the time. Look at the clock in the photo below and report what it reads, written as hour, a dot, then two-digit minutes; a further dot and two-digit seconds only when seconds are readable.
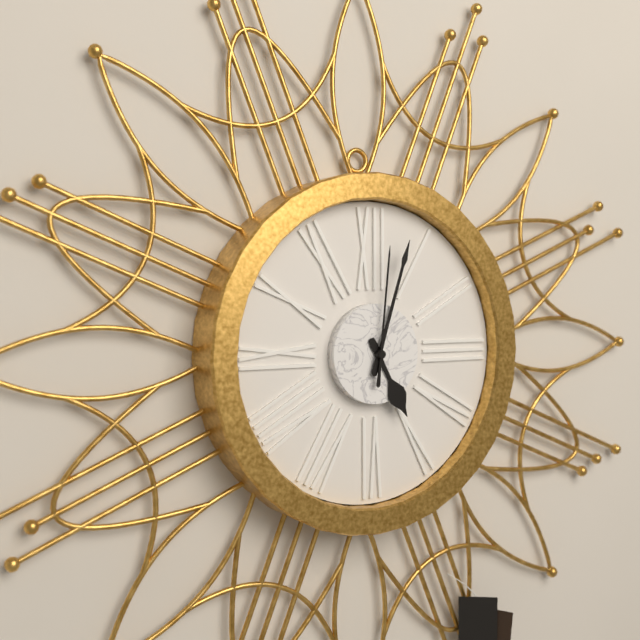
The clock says 5.03.01
